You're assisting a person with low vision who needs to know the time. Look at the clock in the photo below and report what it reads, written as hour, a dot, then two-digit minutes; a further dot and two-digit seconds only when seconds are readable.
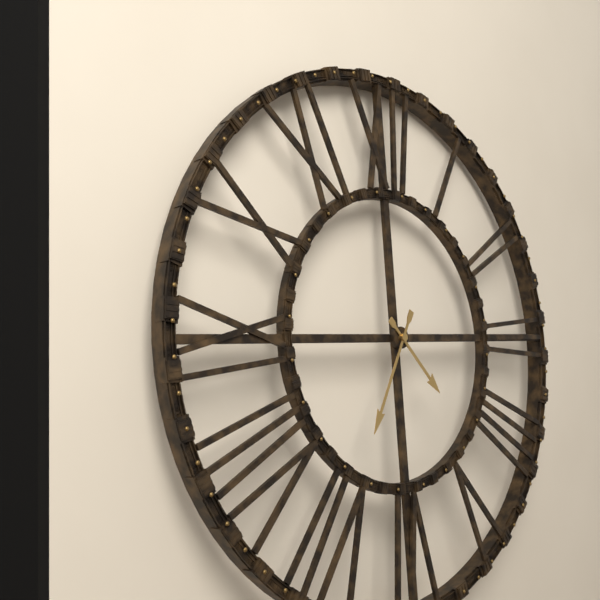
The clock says 4.35
